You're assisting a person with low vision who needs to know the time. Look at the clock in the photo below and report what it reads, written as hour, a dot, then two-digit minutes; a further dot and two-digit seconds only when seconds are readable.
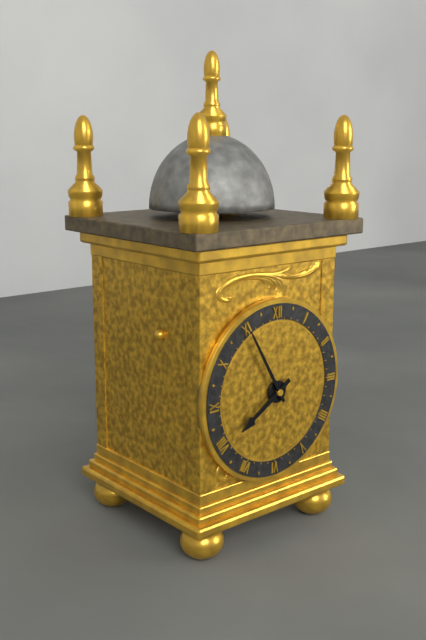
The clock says 7.55
